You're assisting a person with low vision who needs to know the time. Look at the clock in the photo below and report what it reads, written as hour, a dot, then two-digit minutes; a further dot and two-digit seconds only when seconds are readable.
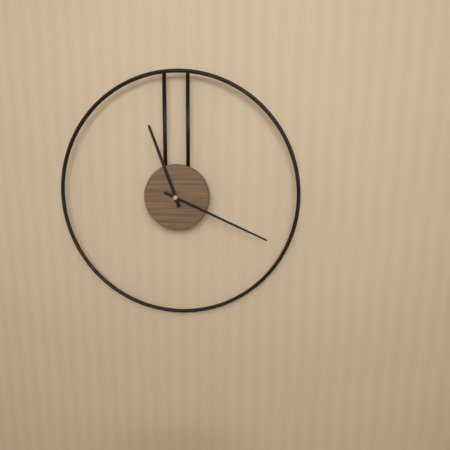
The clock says 11.19
